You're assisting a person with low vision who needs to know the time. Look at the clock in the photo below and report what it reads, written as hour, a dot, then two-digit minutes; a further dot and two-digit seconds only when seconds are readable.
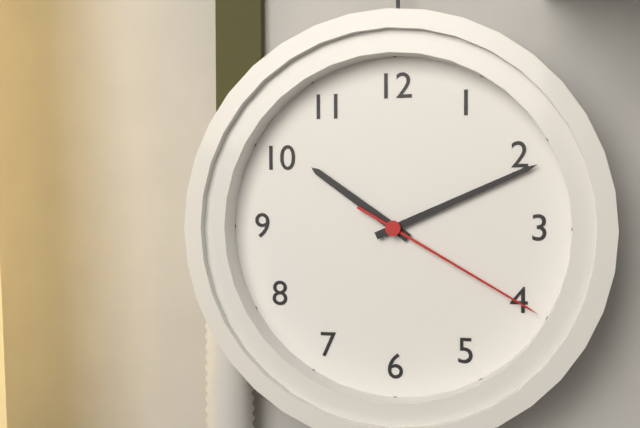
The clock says 10.11.20
